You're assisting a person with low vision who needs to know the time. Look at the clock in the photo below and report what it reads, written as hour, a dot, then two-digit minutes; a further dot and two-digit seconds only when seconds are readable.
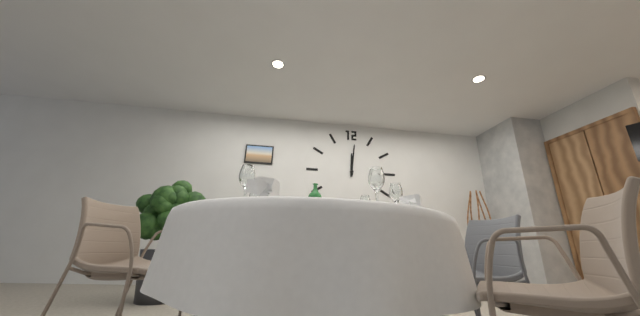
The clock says 12.01
